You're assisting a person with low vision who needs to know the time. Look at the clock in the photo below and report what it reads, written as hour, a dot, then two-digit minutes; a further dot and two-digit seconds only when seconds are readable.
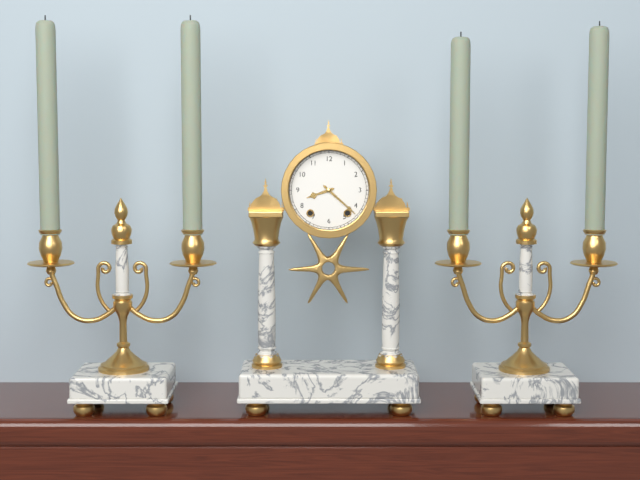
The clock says 8.22
